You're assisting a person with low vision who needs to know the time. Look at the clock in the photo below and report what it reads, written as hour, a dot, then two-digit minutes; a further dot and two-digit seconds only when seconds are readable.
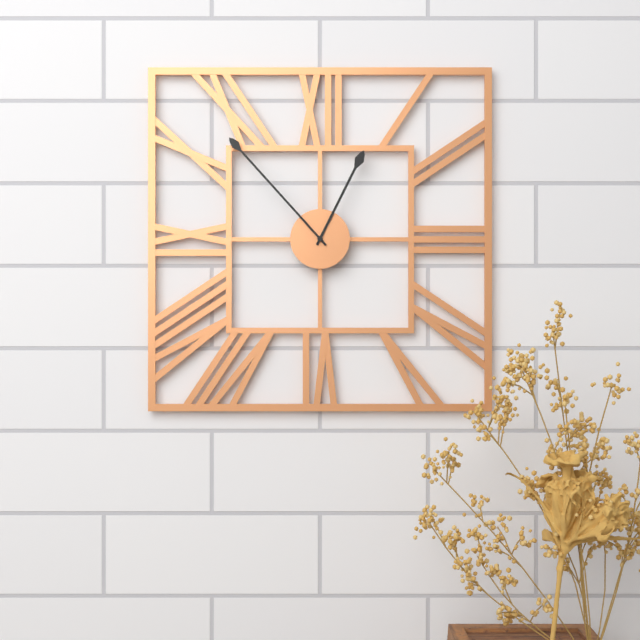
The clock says 12.53
